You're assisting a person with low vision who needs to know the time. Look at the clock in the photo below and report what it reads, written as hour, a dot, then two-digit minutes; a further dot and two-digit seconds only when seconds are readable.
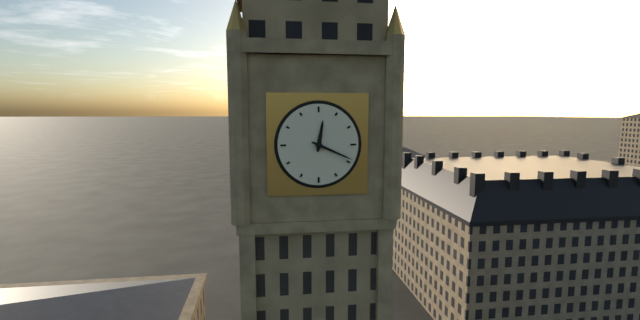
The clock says 12.19
